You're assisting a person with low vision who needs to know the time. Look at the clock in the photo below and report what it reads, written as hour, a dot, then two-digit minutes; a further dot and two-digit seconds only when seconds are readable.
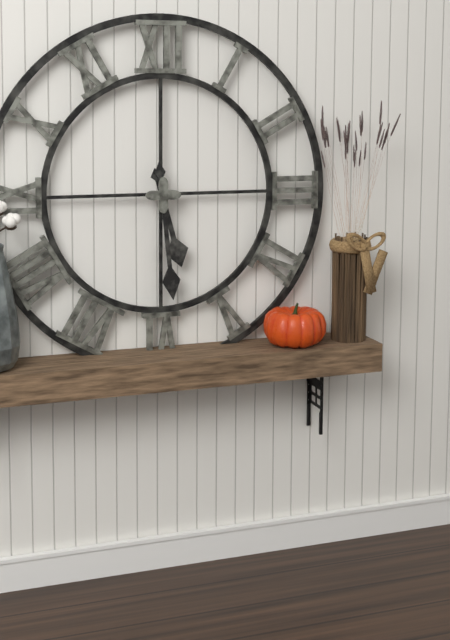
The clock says 5.29
